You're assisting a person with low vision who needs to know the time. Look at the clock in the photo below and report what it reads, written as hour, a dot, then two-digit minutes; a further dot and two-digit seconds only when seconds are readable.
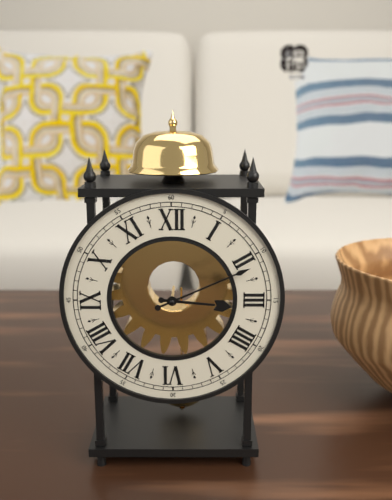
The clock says 3.11
